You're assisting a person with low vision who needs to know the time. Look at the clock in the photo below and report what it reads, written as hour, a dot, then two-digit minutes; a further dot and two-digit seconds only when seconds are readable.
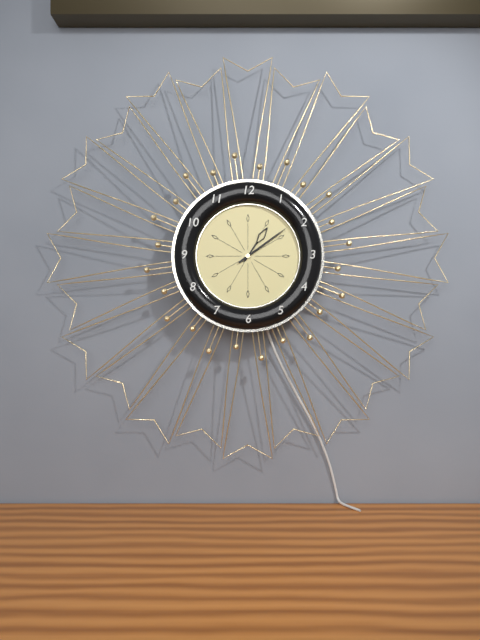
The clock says 1.09
